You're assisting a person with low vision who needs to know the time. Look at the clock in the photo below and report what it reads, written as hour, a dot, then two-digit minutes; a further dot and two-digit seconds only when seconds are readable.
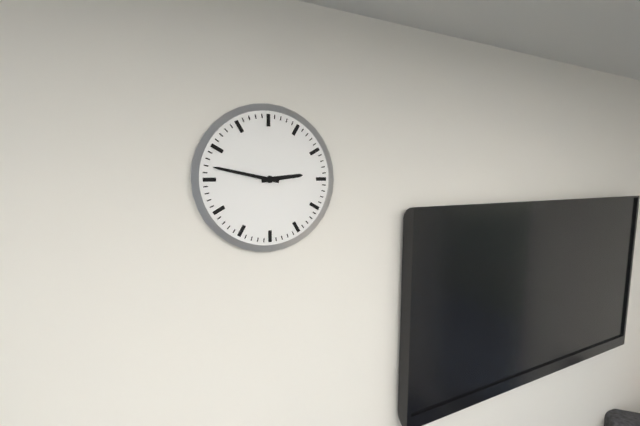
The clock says 2.47
